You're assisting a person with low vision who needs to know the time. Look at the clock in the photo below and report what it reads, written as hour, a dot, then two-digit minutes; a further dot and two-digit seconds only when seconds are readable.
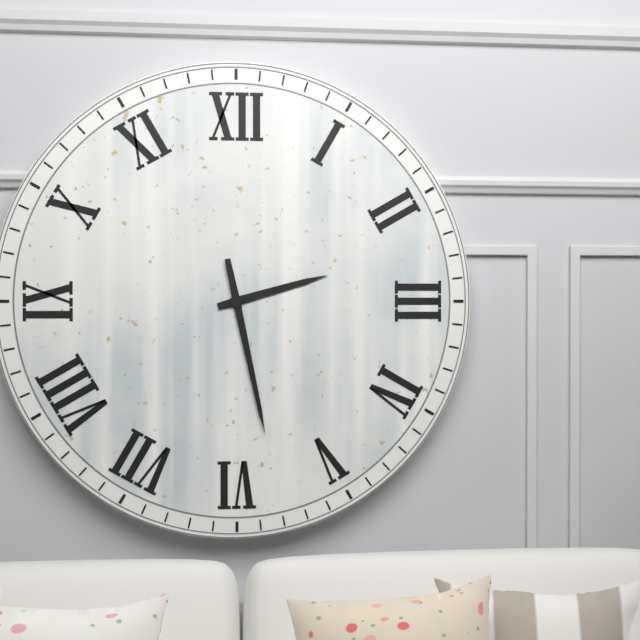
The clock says 2.28
